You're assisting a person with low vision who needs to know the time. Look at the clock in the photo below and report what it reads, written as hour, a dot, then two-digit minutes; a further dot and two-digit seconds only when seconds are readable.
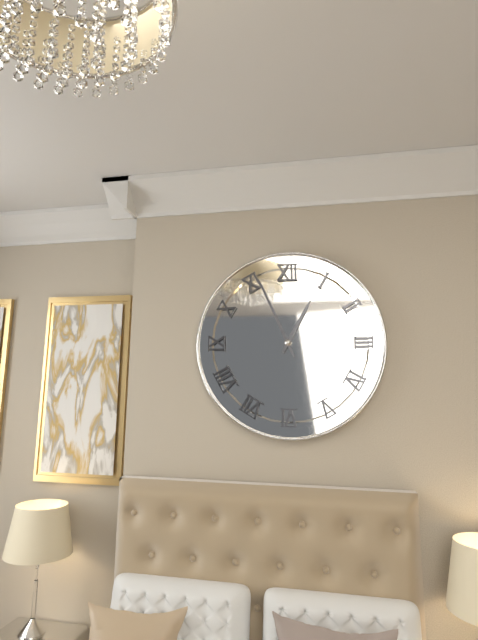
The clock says 12.56
